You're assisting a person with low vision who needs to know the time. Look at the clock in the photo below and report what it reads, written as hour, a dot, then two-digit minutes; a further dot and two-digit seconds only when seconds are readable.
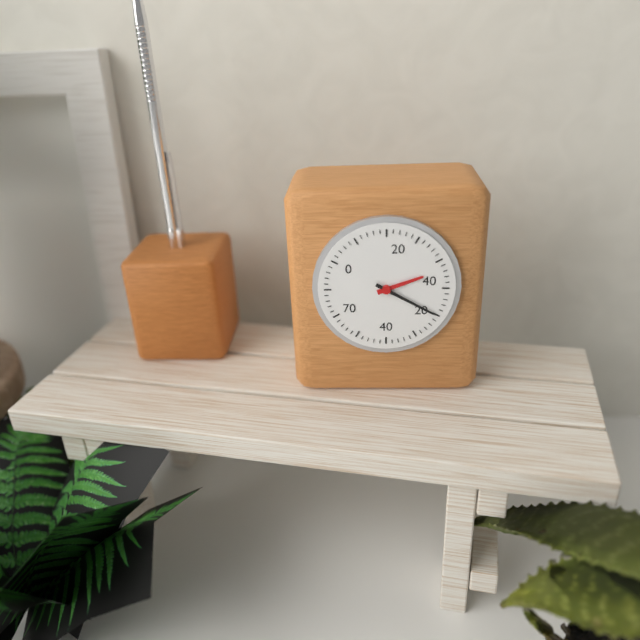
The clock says 2.20
